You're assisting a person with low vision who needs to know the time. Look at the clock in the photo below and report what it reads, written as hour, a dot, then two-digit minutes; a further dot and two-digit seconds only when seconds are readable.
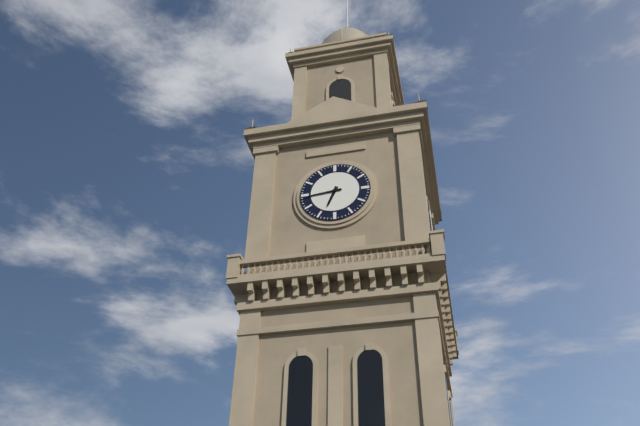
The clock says 6.44
